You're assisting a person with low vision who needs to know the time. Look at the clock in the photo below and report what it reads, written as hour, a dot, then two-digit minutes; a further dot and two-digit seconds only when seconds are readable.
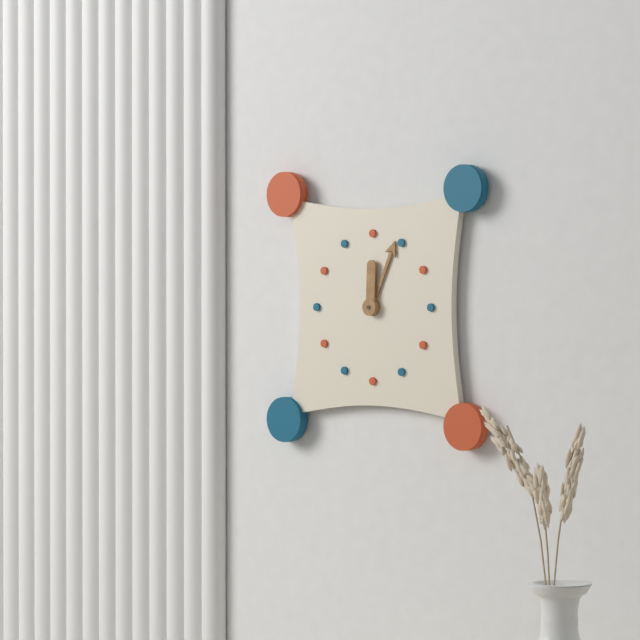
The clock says 12.04
